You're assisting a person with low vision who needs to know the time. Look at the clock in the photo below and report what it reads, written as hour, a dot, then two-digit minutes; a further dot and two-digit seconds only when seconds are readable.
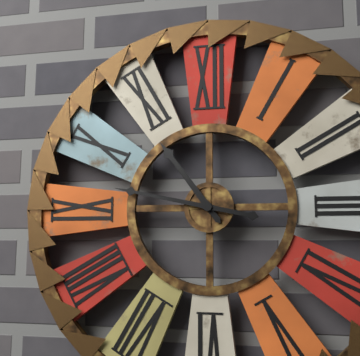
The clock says 10.47
